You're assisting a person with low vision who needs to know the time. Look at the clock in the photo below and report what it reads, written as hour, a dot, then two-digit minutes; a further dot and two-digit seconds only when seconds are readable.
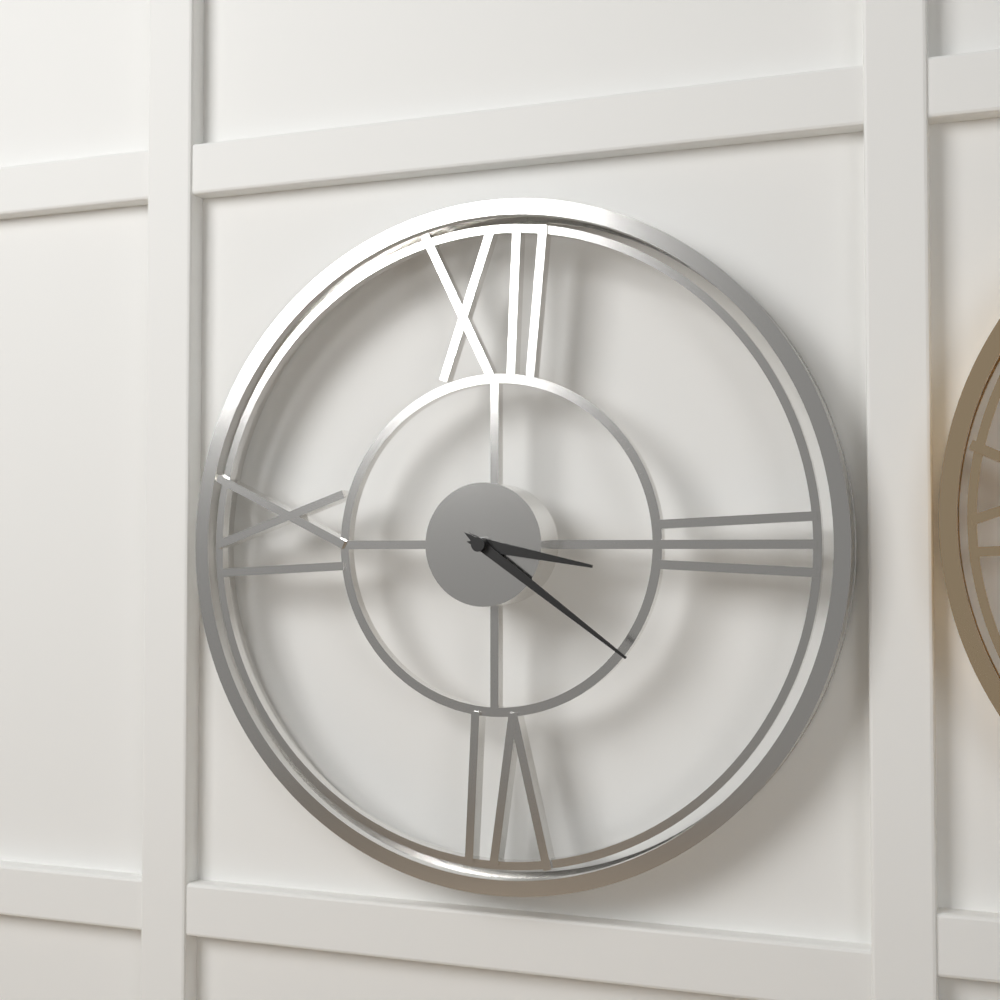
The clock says 3.21
